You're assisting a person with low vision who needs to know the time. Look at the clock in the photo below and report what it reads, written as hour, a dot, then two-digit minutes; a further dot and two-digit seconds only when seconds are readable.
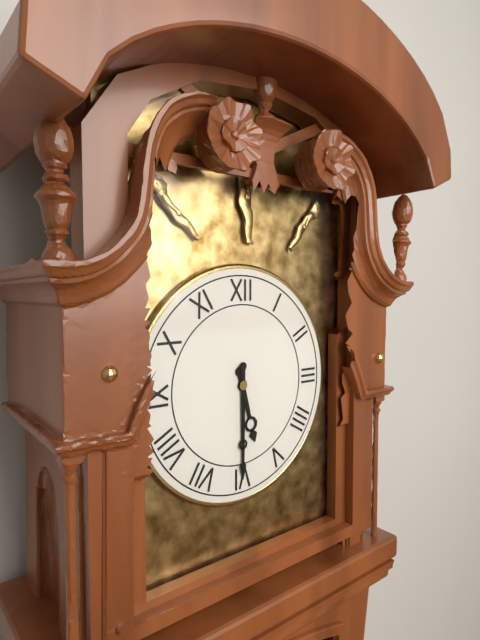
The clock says 5.30
